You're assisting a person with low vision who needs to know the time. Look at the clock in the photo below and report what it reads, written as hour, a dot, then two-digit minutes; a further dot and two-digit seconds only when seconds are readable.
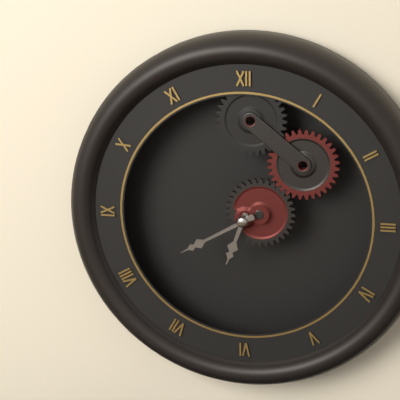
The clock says 6.40
